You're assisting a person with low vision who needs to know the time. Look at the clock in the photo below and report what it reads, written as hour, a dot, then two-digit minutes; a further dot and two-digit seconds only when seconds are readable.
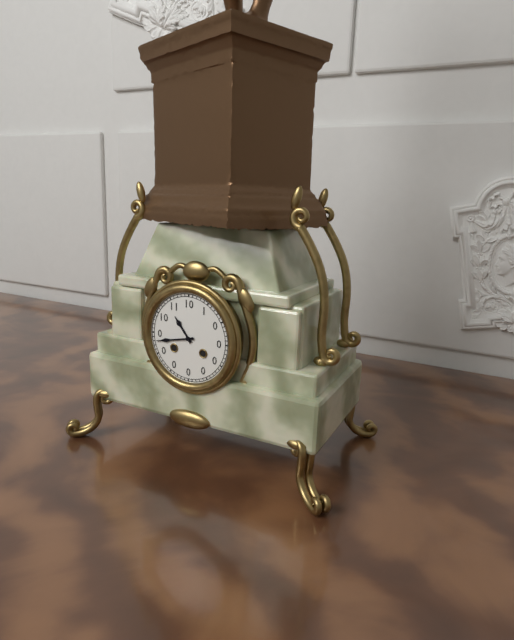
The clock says 10.43
